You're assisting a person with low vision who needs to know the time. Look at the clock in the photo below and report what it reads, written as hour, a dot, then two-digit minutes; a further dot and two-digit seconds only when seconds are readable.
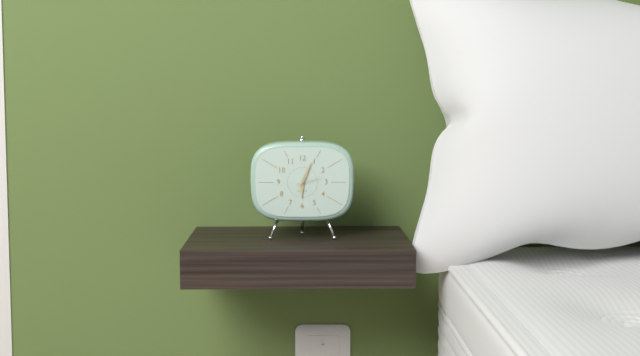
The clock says 6.04
